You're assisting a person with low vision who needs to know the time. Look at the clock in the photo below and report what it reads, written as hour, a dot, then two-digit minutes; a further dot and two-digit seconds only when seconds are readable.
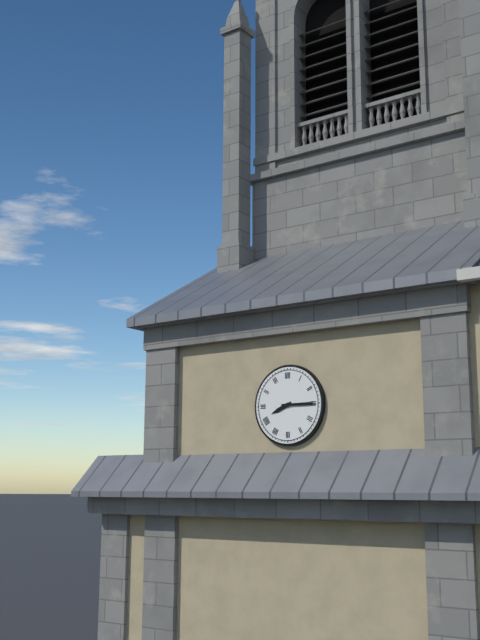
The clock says 8.15
